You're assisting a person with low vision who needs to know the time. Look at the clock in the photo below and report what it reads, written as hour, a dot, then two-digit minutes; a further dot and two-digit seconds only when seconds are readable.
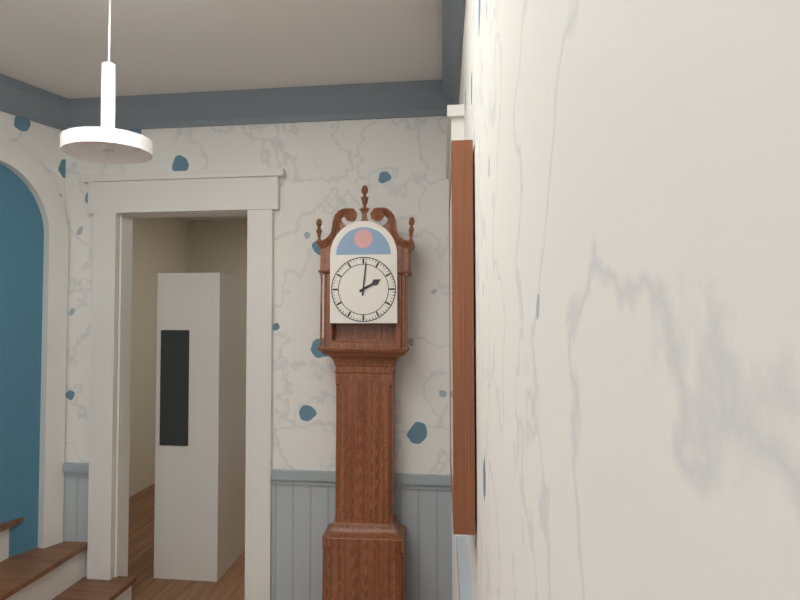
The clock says 2.01
